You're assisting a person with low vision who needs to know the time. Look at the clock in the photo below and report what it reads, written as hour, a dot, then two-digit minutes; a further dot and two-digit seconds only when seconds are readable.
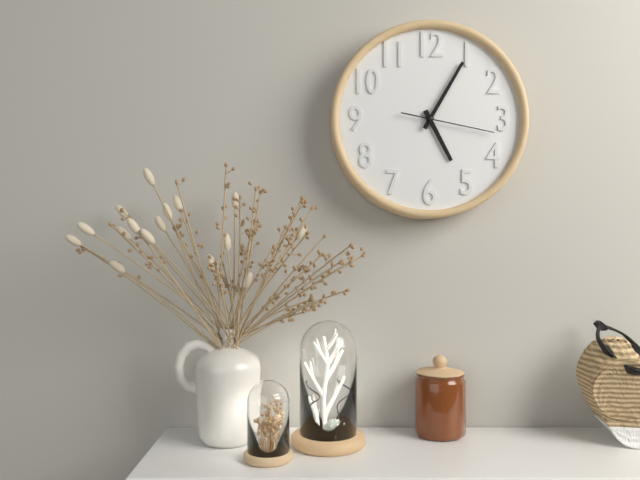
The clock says 5.05.17
